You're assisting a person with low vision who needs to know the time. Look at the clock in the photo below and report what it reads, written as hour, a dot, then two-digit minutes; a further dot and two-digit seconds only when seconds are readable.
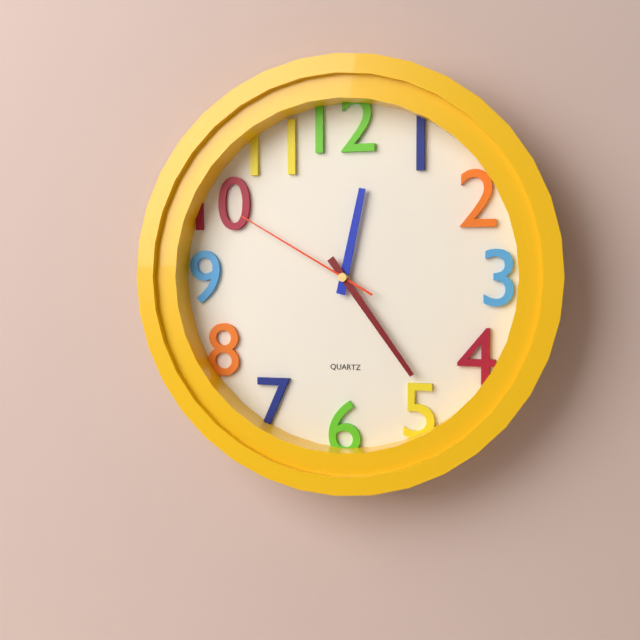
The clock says 12.24.50
